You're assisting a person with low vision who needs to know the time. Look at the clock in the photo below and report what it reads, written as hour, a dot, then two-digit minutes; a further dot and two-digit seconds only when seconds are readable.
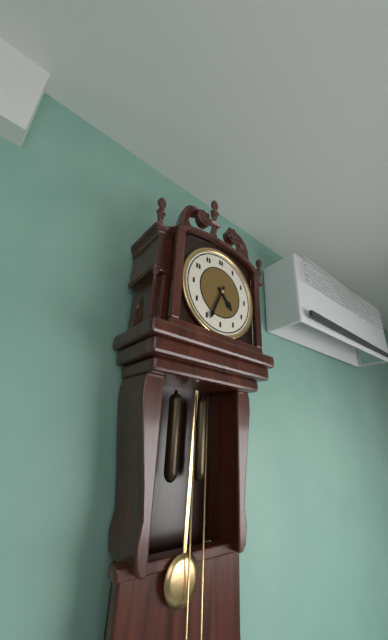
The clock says 4.34
